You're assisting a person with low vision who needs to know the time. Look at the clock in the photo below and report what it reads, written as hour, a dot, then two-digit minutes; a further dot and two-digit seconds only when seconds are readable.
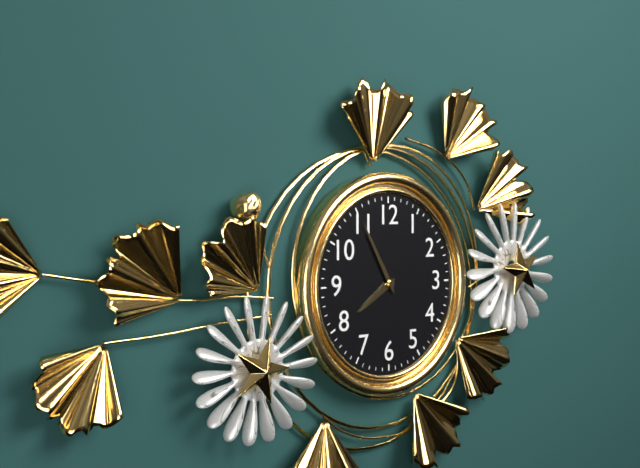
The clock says 7.55
